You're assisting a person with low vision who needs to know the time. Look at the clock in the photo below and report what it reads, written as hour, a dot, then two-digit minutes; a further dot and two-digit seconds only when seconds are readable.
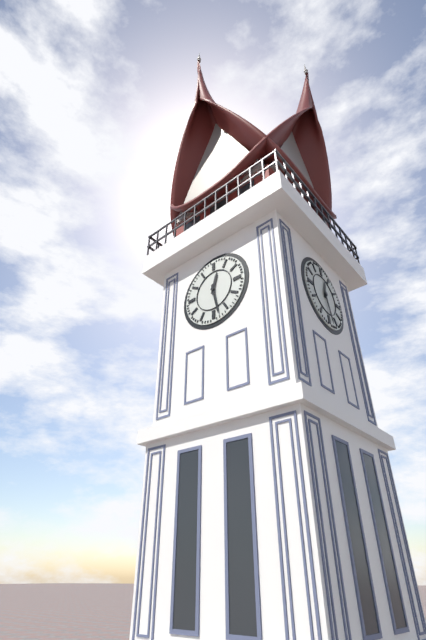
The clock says 12.28
